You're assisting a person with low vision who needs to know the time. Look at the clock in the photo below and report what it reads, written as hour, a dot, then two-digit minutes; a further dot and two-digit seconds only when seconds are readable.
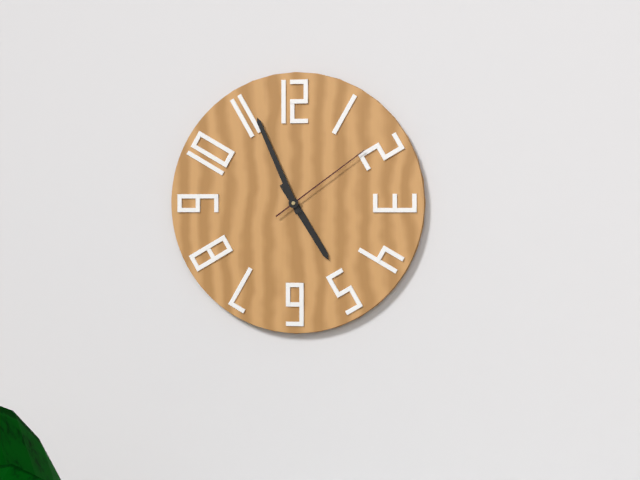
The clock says 4.56.09
